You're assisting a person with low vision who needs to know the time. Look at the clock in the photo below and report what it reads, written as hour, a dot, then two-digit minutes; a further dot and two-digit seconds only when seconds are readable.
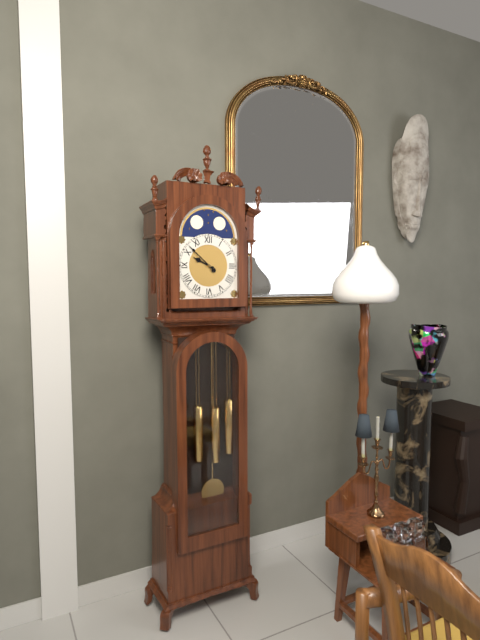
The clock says 9.52
